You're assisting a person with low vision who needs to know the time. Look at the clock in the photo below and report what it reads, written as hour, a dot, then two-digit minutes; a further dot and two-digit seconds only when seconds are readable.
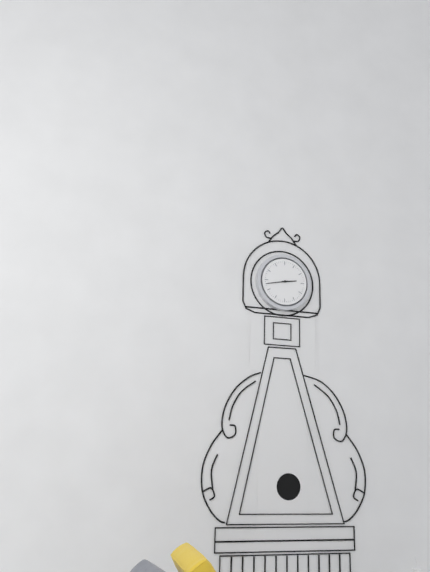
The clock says 2.43
